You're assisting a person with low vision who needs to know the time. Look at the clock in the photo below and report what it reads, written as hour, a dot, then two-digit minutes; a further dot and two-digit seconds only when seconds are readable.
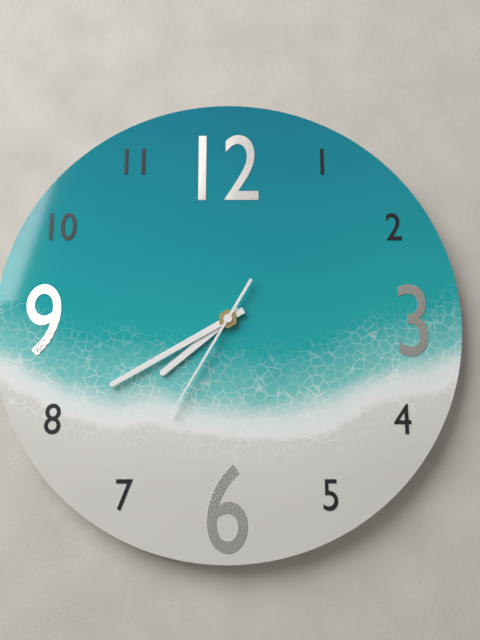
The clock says 7.40.35
